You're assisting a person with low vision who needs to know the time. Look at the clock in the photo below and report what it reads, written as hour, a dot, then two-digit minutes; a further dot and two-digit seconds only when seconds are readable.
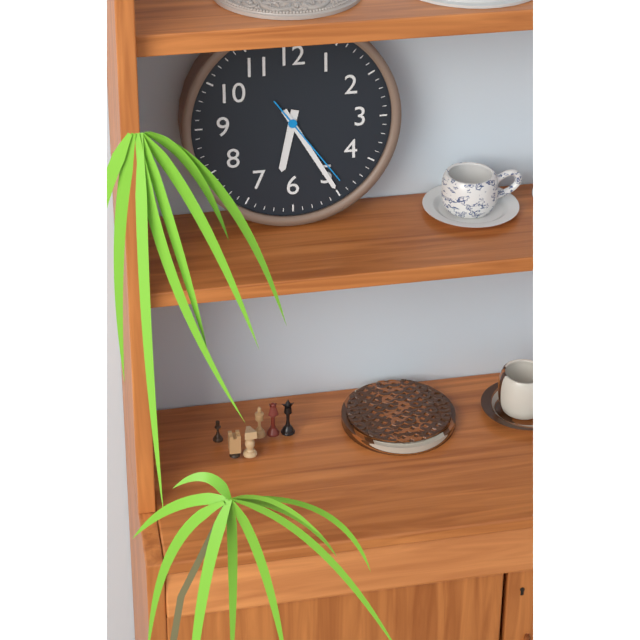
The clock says 6.25.24
